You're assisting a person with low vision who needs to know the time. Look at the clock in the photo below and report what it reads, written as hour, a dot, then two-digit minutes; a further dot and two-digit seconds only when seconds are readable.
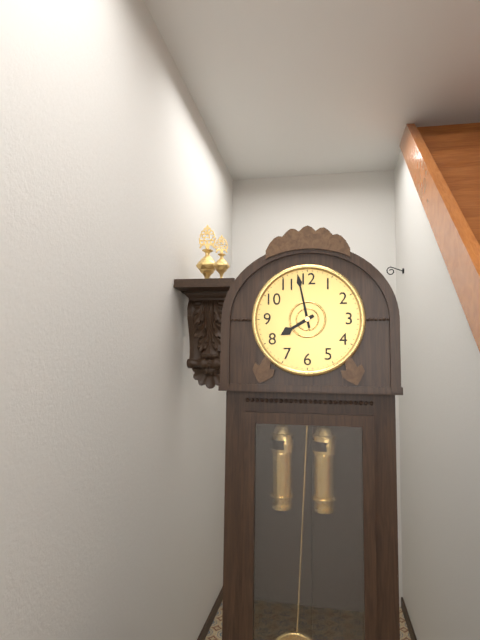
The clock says 7.58
